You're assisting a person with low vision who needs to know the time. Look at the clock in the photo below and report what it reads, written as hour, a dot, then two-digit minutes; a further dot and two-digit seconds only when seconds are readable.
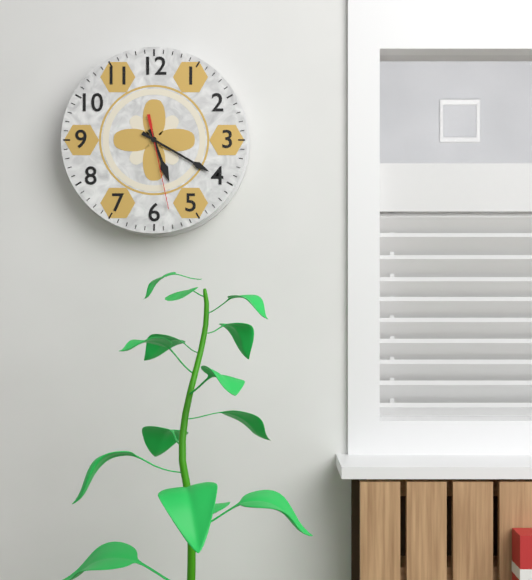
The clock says 5.20.28
